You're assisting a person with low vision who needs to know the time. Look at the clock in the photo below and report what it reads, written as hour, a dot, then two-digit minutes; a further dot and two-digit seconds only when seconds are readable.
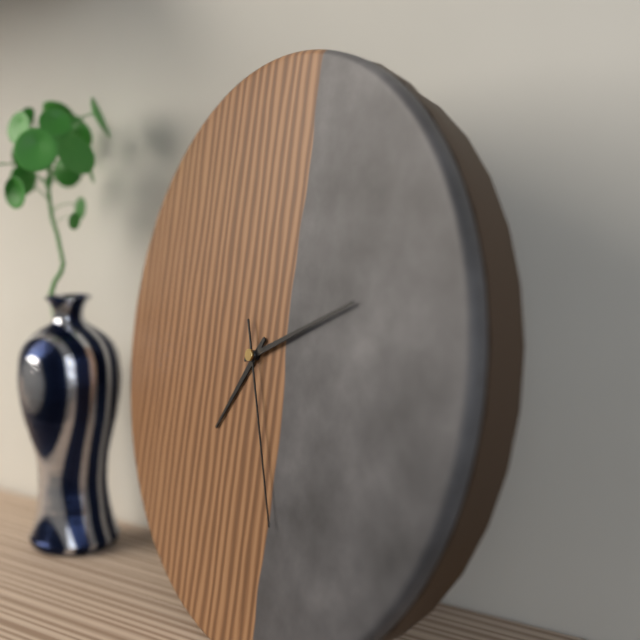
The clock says 7.11.26
